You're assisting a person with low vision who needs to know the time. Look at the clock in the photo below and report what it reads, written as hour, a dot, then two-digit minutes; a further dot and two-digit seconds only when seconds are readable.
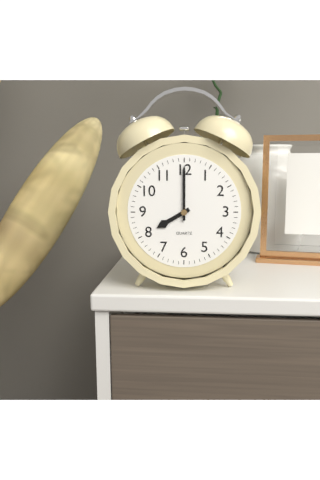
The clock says 8.00
